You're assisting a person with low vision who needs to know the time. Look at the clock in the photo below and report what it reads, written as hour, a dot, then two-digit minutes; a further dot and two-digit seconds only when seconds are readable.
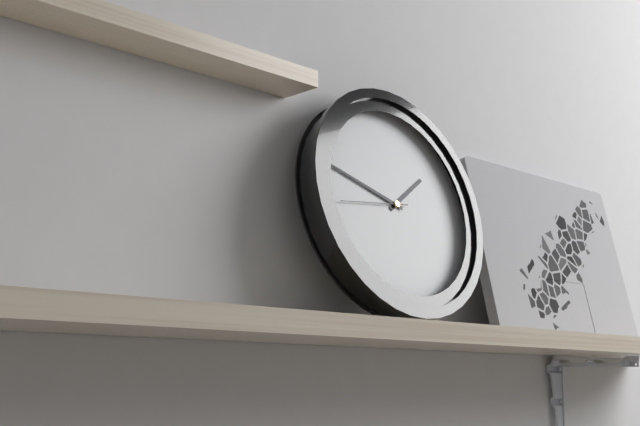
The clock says 1.48.44
